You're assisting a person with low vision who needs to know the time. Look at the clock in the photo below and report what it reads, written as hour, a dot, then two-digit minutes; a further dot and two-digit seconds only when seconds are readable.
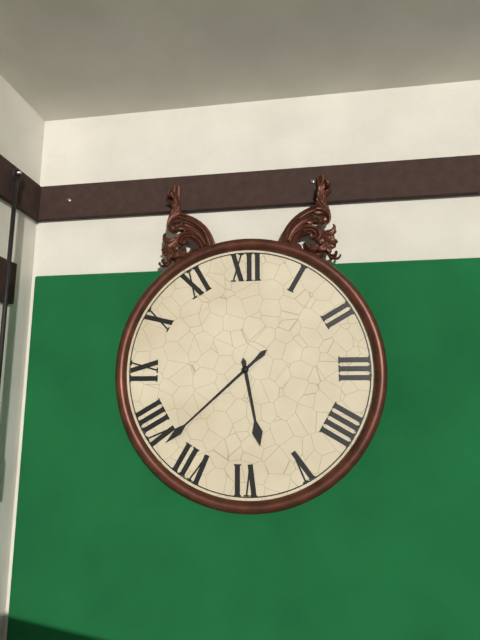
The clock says 5.38
